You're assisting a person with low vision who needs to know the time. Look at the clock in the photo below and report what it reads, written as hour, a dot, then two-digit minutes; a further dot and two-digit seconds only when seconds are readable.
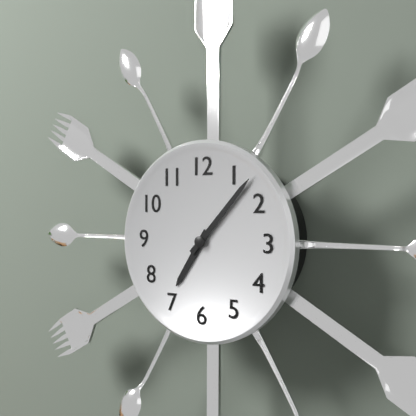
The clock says 7.07
